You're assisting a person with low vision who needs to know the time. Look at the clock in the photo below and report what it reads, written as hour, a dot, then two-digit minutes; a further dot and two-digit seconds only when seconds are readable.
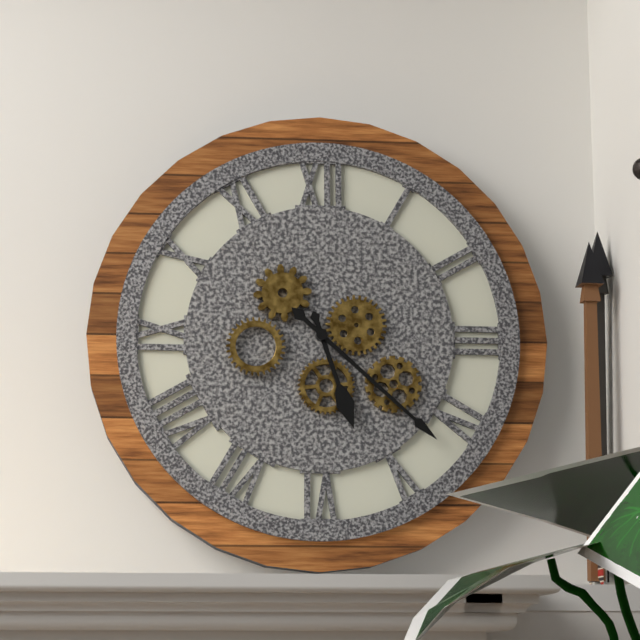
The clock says 5.22
